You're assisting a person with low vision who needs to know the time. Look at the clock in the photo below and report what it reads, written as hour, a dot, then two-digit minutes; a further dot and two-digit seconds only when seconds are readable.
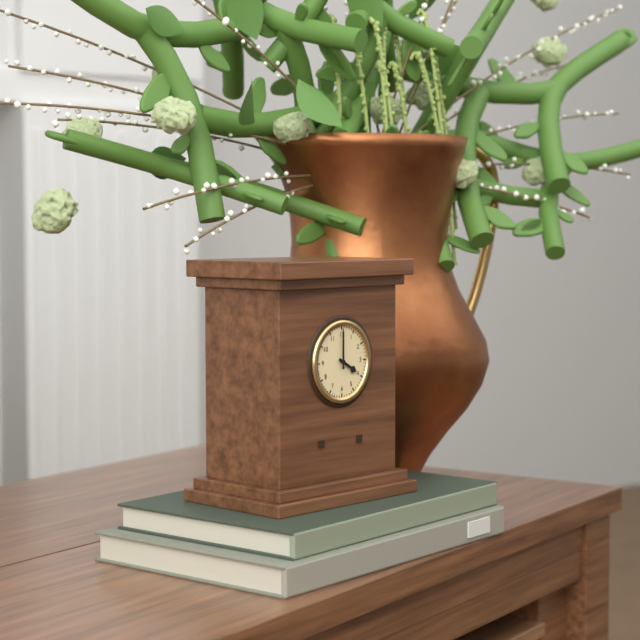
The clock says 4.00
